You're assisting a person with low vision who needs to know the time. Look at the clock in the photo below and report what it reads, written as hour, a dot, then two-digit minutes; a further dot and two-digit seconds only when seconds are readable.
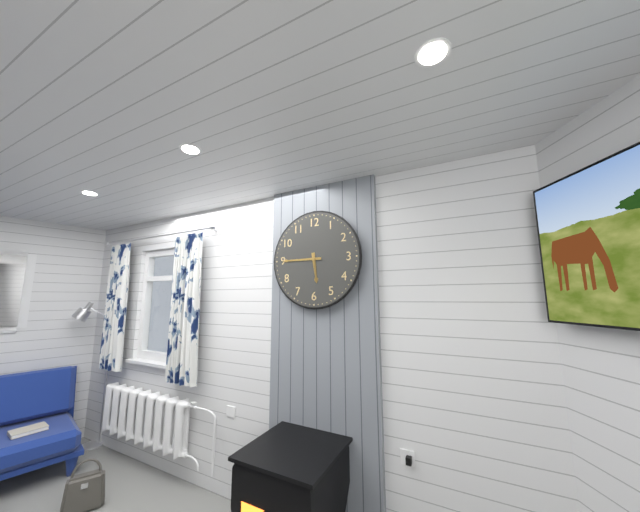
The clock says 5.45
